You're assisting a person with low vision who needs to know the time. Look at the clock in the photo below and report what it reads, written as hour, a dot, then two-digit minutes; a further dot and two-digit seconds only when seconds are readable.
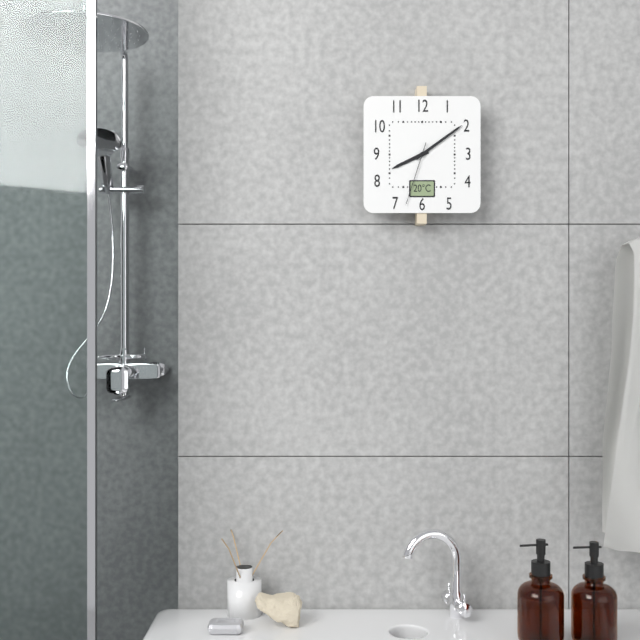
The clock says 8.09.33
